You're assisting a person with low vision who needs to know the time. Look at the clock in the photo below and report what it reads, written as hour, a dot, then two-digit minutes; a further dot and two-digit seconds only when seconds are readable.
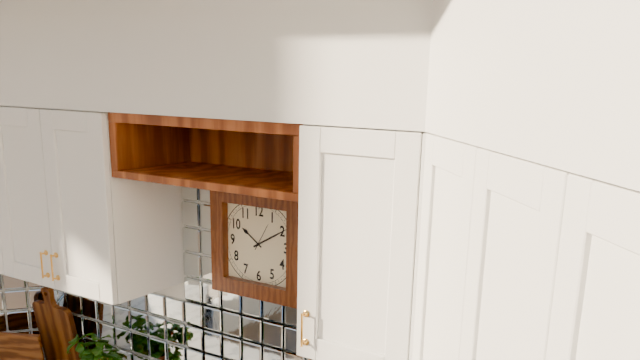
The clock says 10.10
